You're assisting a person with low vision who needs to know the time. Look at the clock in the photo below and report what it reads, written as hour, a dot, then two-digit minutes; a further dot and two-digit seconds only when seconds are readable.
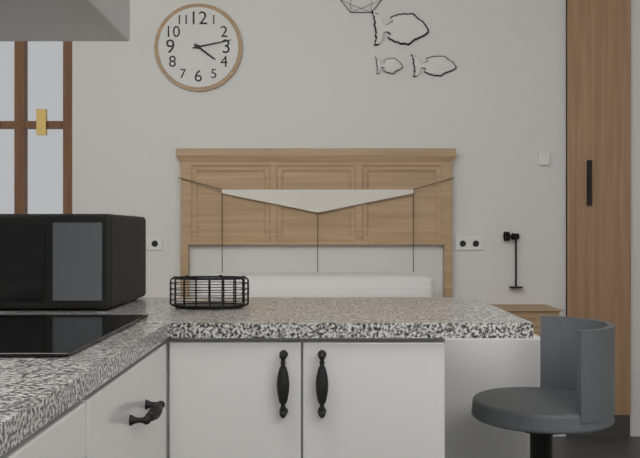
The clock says 4.13
